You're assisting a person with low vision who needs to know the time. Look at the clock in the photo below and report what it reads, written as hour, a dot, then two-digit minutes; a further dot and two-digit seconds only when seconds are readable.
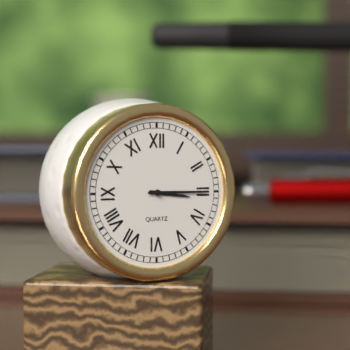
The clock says 3.15
